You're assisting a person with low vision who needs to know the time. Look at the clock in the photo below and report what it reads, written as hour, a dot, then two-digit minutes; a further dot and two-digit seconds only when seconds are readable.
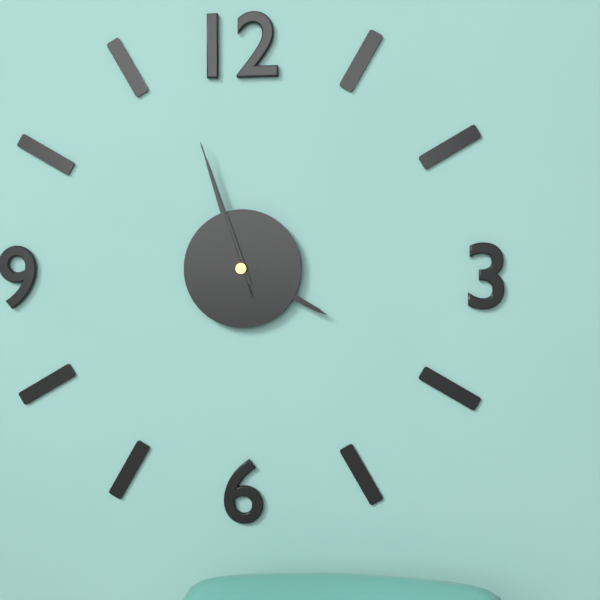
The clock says 3.57.57
